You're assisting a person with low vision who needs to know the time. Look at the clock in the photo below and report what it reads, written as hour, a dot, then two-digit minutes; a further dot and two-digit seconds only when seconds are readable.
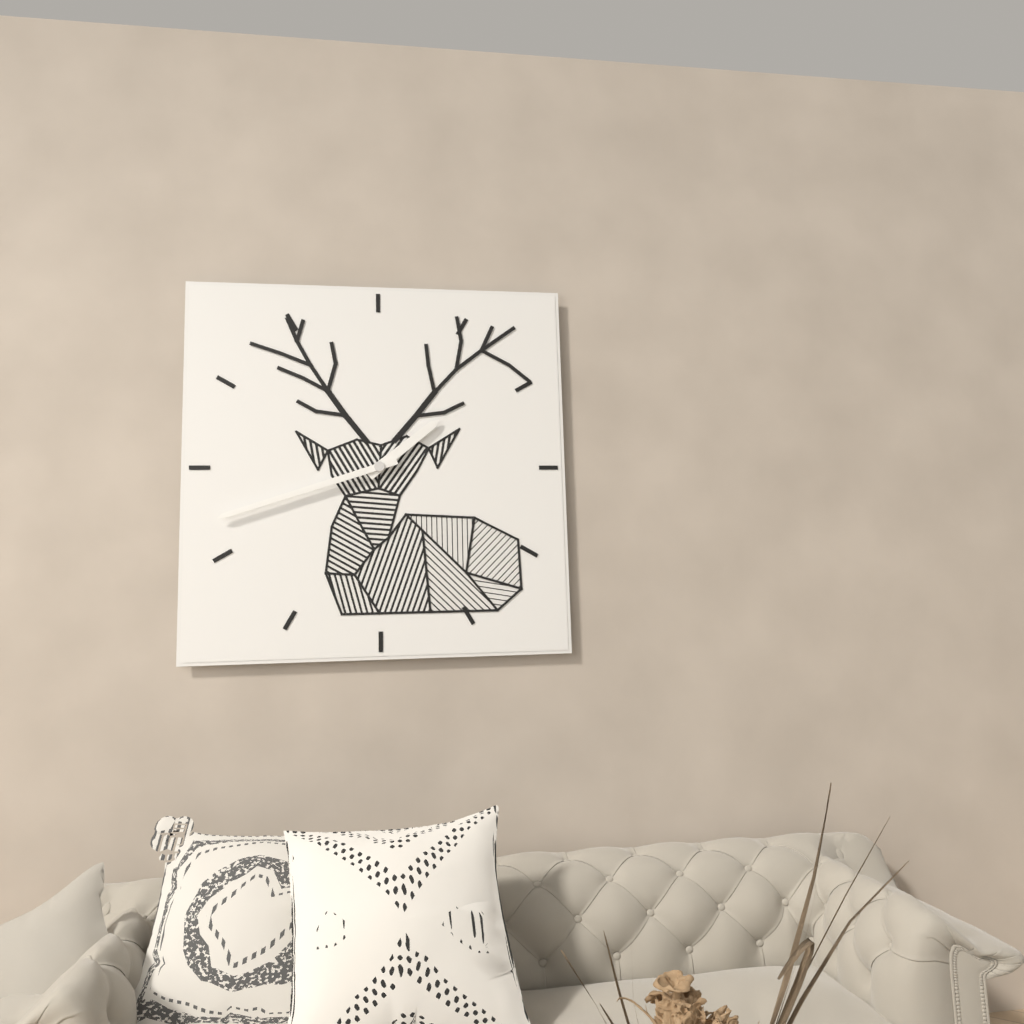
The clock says 1.42
